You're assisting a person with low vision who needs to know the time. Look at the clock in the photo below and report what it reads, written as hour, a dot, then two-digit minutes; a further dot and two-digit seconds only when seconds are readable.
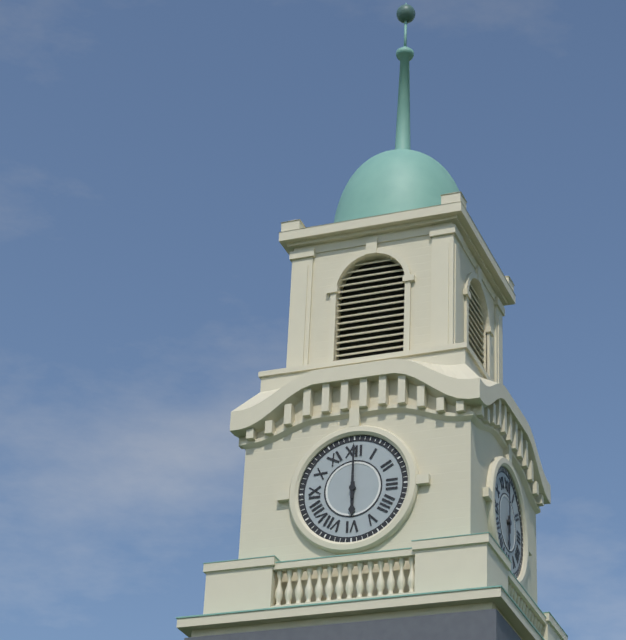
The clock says 6.00
